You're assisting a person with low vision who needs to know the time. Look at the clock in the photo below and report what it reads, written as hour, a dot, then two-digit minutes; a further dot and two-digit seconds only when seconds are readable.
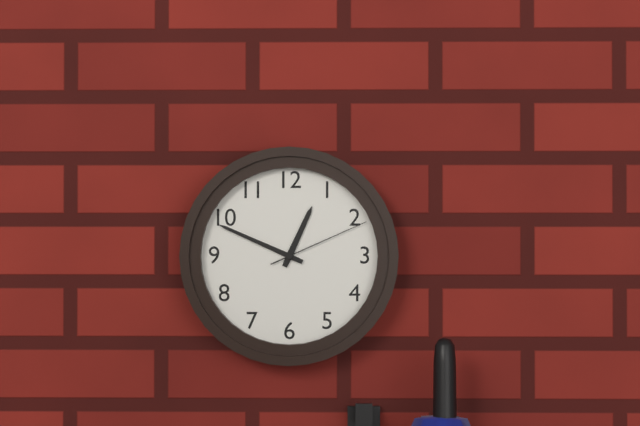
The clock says 12.49.11
